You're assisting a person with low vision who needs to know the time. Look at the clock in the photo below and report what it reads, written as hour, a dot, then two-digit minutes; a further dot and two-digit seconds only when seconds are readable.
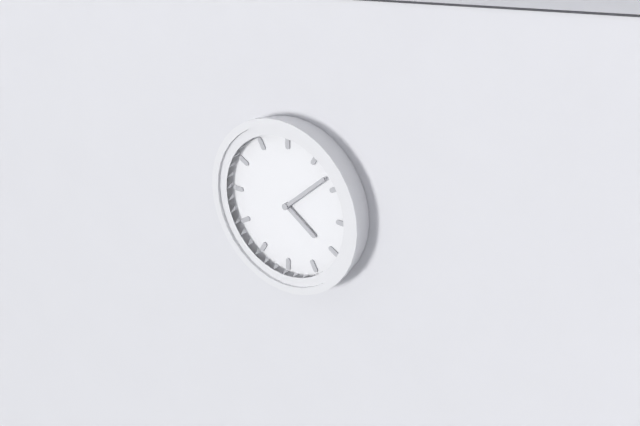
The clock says 4.08
